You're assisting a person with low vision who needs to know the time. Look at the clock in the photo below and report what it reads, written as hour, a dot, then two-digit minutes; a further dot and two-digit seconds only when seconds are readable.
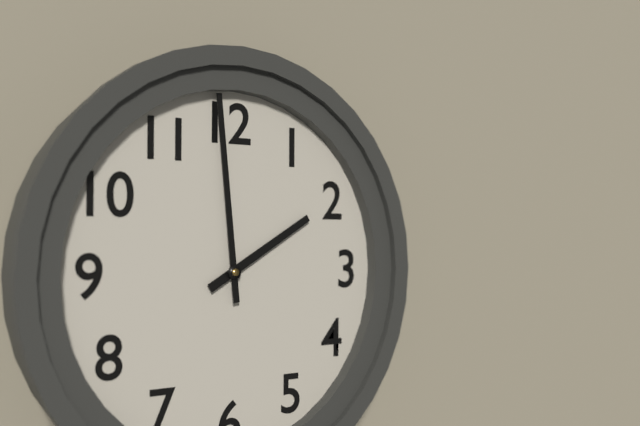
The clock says 1.59
